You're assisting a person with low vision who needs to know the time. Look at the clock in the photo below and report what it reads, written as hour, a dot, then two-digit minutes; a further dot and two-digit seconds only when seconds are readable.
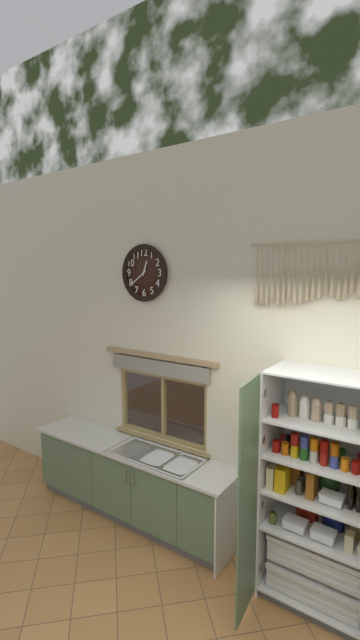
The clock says 12.39
